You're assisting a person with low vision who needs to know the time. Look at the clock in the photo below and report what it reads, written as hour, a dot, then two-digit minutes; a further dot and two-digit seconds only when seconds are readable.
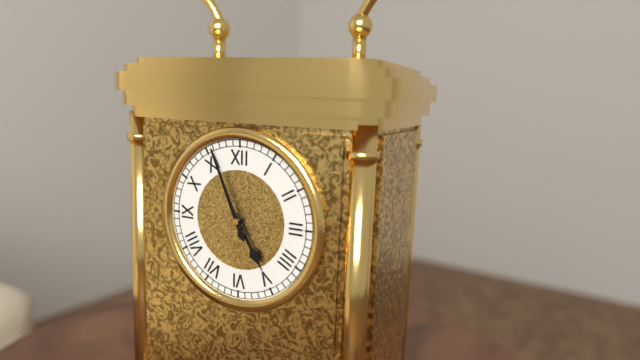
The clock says 4.56
